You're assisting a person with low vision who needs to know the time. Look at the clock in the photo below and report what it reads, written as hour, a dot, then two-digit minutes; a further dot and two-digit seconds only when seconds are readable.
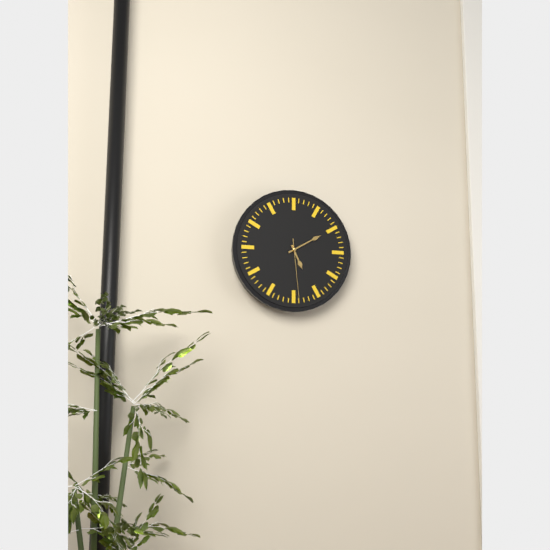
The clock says 5.10.29
